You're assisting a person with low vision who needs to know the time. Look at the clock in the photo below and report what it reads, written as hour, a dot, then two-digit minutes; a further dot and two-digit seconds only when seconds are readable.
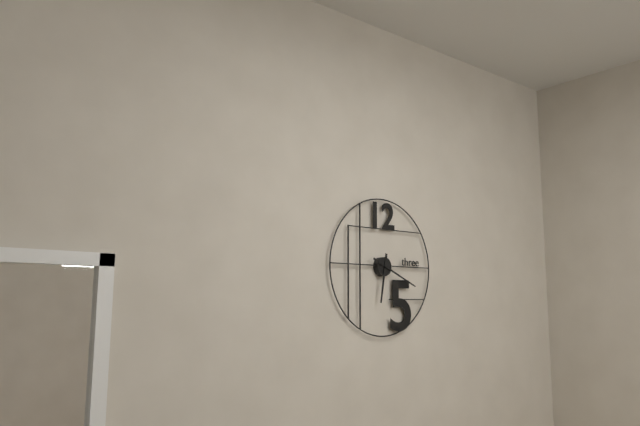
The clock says 6.19
